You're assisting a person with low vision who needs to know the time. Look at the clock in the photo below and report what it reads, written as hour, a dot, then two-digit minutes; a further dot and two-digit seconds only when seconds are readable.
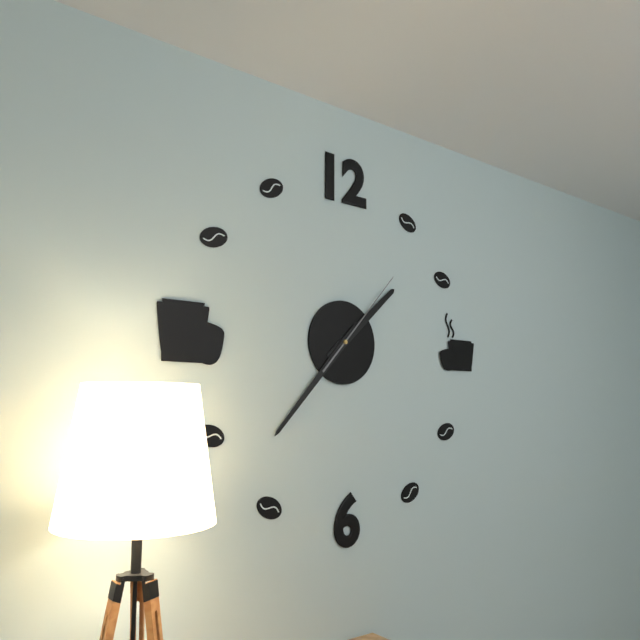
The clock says 1.37.07
